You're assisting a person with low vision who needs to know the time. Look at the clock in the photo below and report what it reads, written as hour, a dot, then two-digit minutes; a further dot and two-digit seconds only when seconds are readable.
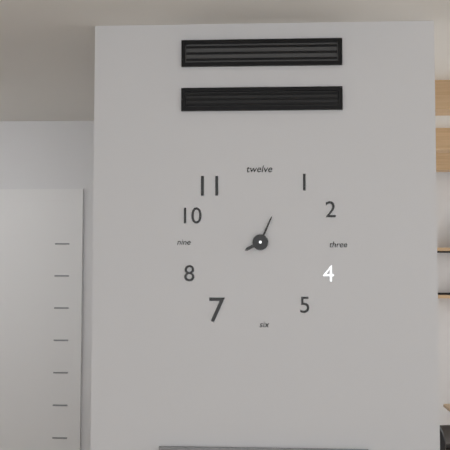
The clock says 8.04
